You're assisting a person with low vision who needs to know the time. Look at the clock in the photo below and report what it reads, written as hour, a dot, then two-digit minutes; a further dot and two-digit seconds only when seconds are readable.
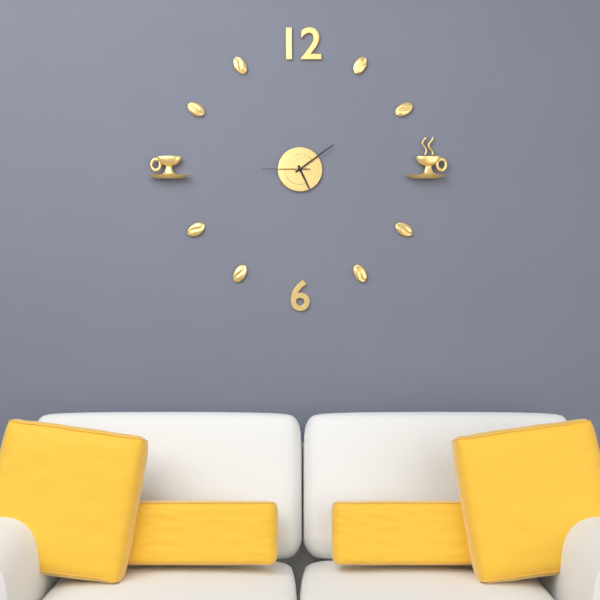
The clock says 5.09
